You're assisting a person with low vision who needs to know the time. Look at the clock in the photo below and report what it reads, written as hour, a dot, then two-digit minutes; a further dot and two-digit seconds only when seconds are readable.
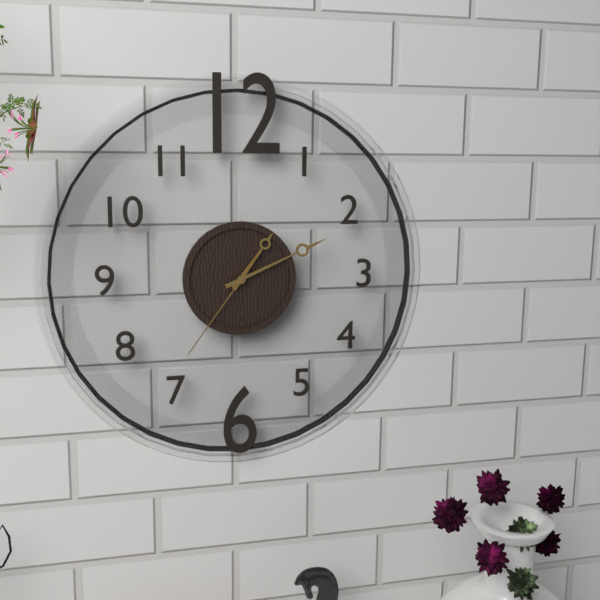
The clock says 1.11.36
